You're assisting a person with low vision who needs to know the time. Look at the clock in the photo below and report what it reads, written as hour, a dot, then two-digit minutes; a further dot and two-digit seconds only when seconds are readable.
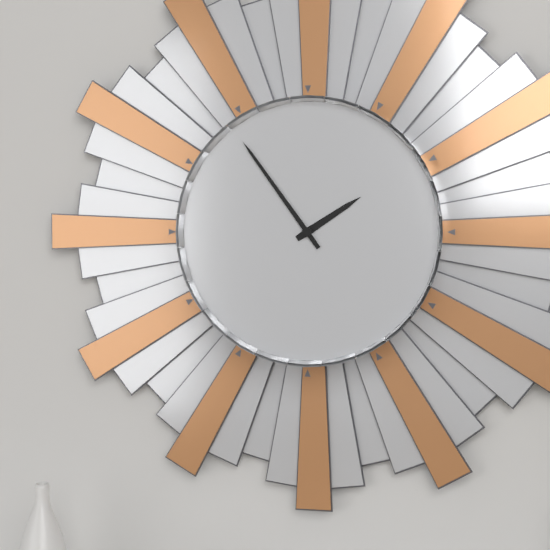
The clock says 1.54
